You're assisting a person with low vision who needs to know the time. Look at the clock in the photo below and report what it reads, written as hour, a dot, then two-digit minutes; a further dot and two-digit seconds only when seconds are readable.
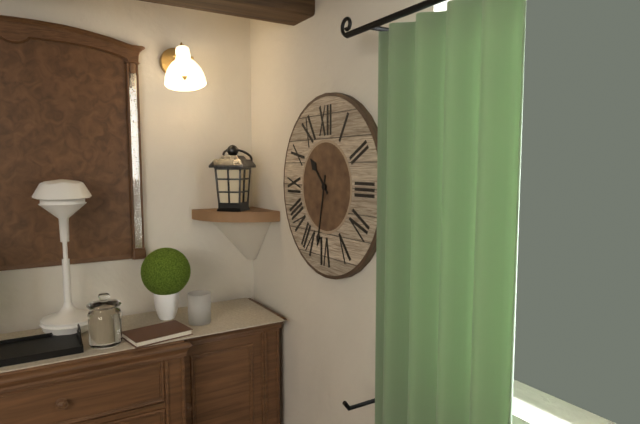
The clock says 10.32
